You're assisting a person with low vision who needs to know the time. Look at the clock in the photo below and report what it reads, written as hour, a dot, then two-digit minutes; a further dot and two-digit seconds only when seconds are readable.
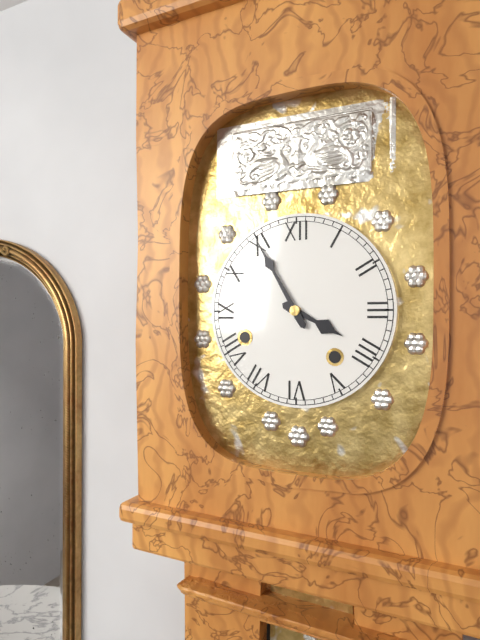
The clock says 3.55
